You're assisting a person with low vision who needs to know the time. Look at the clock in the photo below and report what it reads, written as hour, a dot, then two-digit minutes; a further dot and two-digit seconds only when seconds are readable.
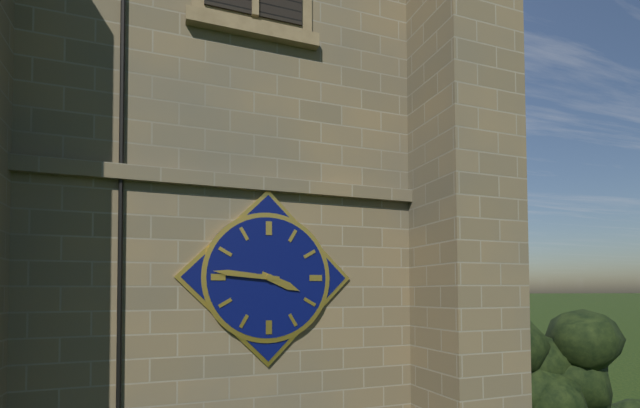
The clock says 3.46
